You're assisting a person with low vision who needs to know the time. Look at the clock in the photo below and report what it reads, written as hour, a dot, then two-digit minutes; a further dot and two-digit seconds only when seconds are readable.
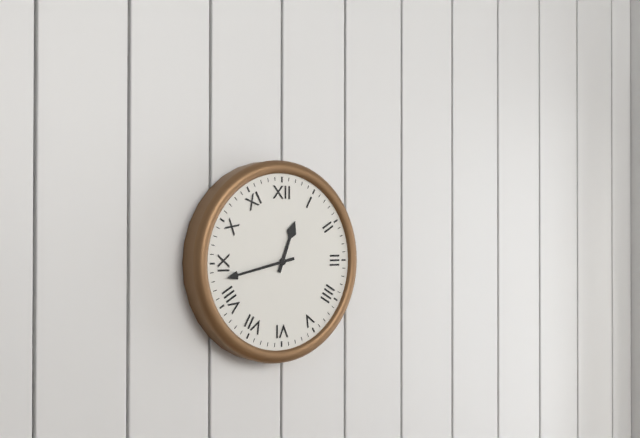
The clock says 12.43
